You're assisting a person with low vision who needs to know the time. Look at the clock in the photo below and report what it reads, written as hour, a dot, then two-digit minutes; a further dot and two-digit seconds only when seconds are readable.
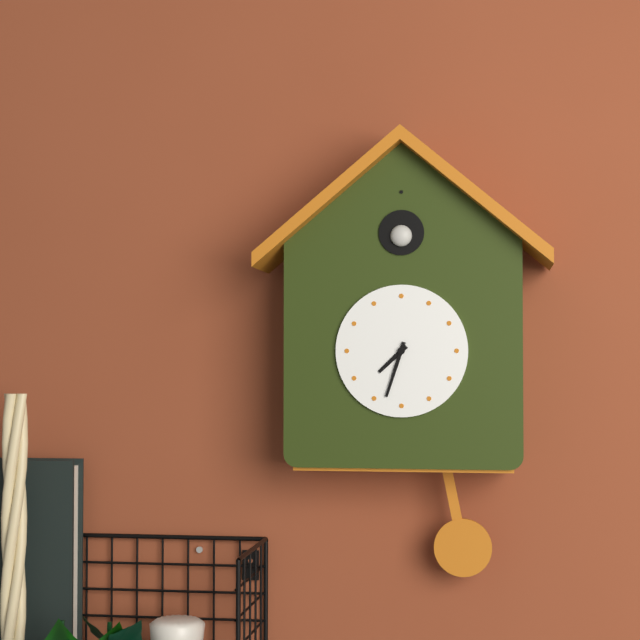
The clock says 7.33
